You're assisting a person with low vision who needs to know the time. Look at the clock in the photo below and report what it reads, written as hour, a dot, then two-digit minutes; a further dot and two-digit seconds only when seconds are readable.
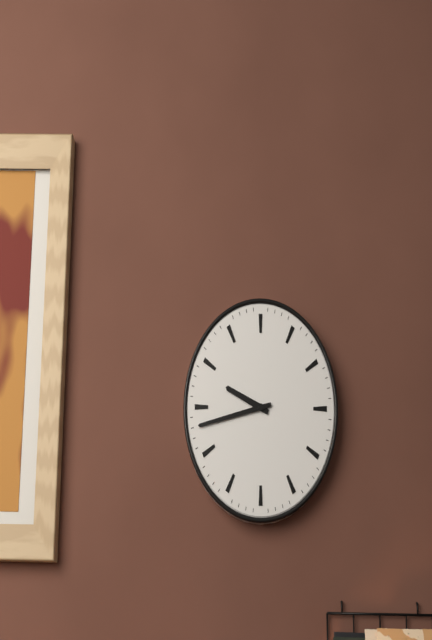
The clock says 9.43
